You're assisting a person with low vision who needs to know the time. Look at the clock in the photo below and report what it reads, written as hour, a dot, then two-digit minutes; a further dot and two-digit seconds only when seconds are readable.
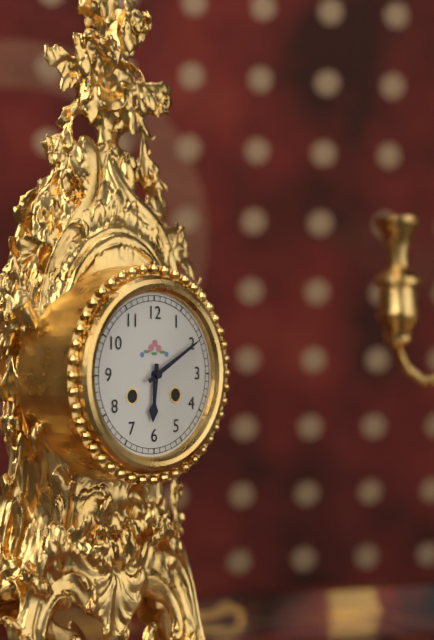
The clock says 6.10
